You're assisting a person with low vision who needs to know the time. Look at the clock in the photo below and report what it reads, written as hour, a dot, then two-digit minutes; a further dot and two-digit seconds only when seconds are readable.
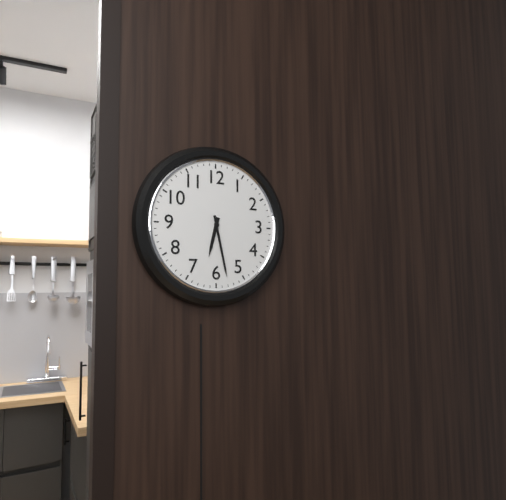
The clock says 6.28
